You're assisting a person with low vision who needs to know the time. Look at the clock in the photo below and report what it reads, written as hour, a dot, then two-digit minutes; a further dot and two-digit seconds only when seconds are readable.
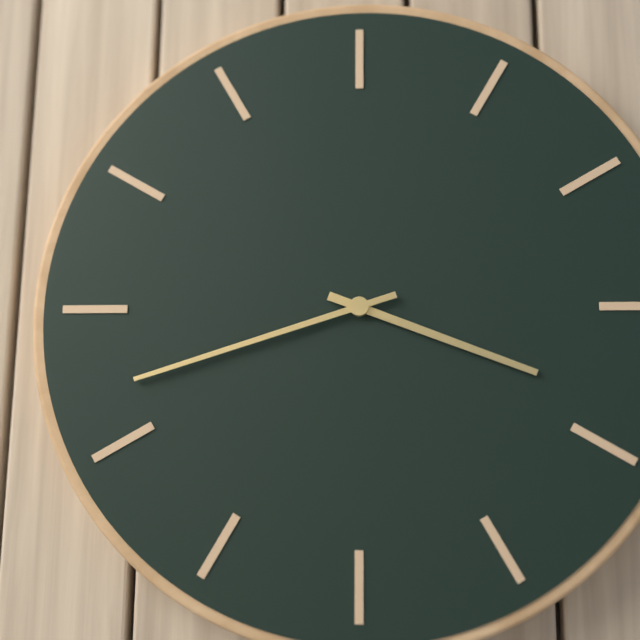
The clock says 3.42
